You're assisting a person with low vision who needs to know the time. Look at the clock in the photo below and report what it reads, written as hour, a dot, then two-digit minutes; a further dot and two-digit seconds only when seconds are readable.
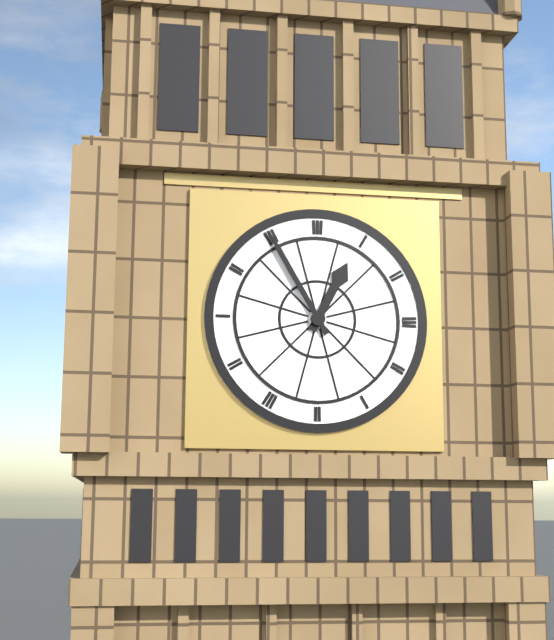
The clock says 12.55
